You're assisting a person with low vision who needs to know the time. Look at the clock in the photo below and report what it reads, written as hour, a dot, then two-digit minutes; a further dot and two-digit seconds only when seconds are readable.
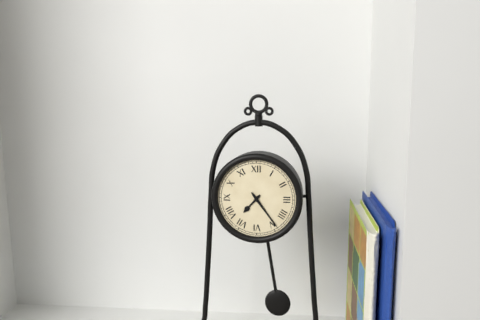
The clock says 7.24
